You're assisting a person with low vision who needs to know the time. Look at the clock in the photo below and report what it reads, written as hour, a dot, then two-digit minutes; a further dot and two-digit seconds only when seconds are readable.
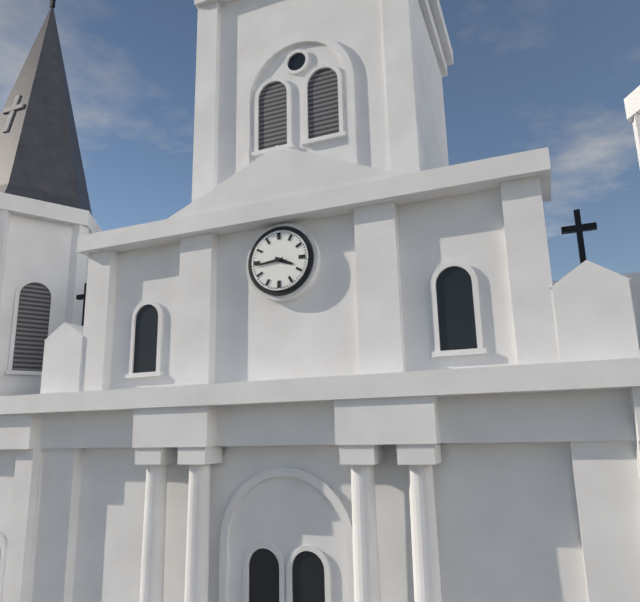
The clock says 3.44
